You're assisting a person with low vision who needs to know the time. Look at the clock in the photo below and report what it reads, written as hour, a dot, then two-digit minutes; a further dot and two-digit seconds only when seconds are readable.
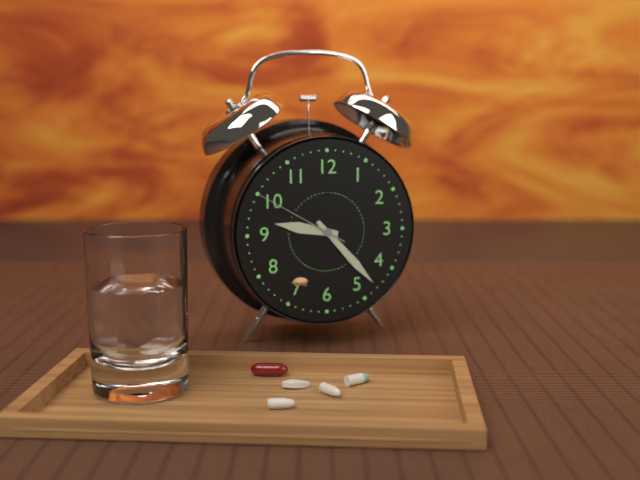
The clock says 9.23.50
